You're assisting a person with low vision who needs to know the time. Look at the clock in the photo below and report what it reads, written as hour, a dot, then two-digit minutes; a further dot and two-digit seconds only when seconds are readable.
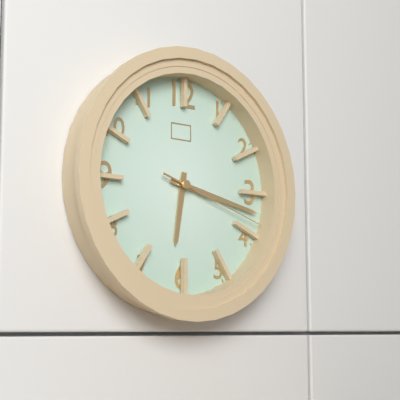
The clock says 6.17.18
